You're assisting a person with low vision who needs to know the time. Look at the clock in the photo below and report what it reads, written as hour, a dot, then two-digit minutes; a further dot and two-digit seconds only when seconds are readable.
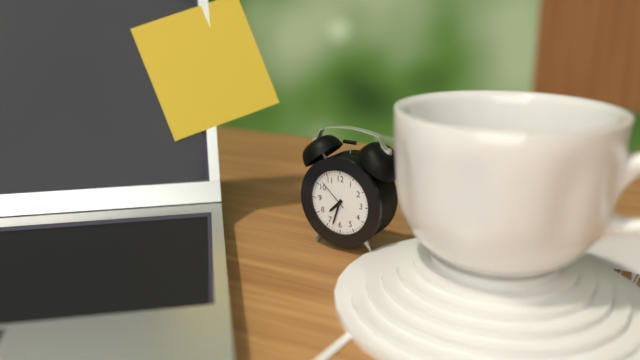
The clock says 7.33
